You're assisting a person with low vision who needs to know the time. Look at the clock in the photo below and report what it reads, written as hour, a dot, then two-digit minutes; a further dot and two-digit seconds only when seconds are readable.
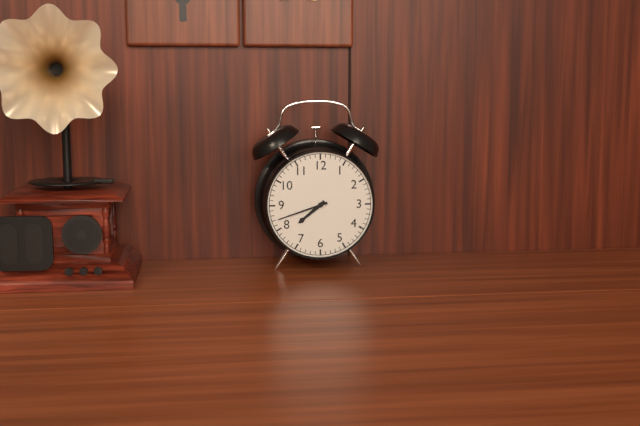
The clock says 7.42
